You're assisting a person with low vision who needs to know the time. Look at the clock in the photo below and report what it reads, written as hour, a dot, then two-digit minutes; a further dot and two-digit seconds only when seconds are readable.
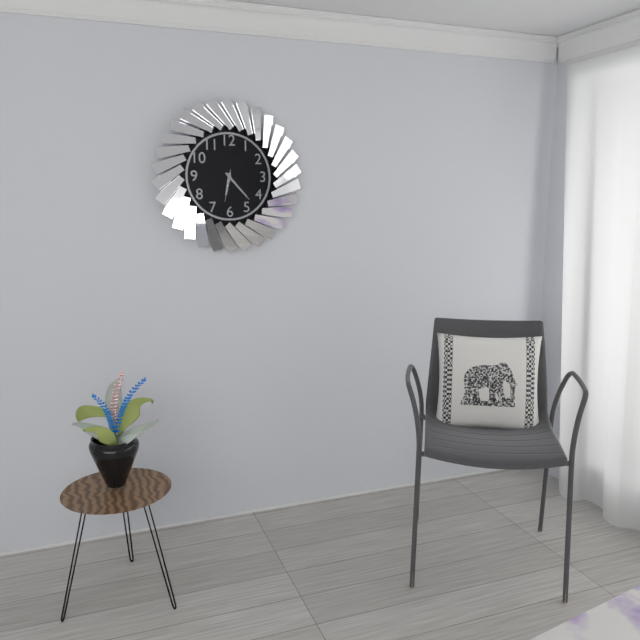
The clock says 6.23
